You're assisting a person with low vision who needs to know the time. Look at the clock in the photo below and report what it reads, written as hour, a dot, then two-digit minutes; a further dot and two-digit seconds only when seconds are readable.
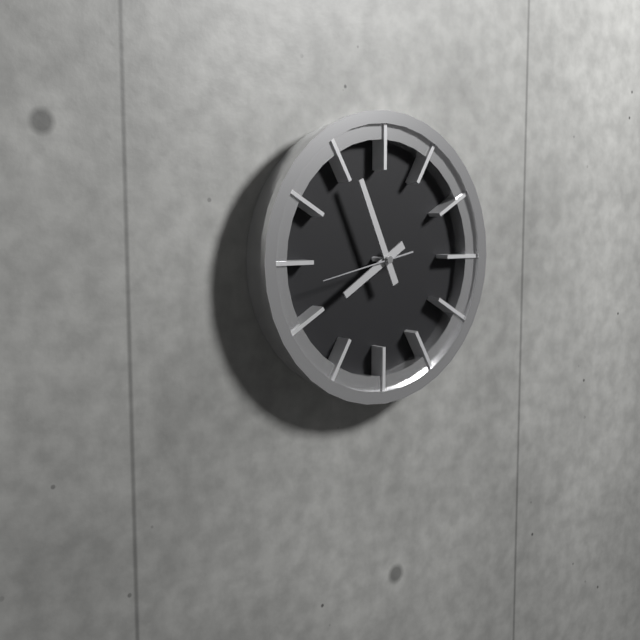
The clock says 7.56.43
